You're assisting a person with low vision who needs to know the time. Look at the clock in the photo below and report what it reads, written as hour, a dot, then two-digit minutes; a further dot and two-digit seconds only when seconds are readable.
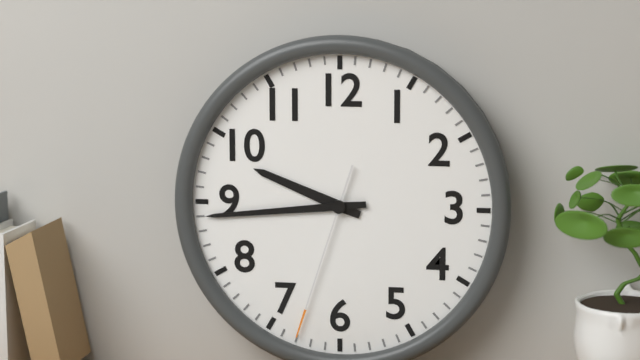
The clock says 9.44.33
